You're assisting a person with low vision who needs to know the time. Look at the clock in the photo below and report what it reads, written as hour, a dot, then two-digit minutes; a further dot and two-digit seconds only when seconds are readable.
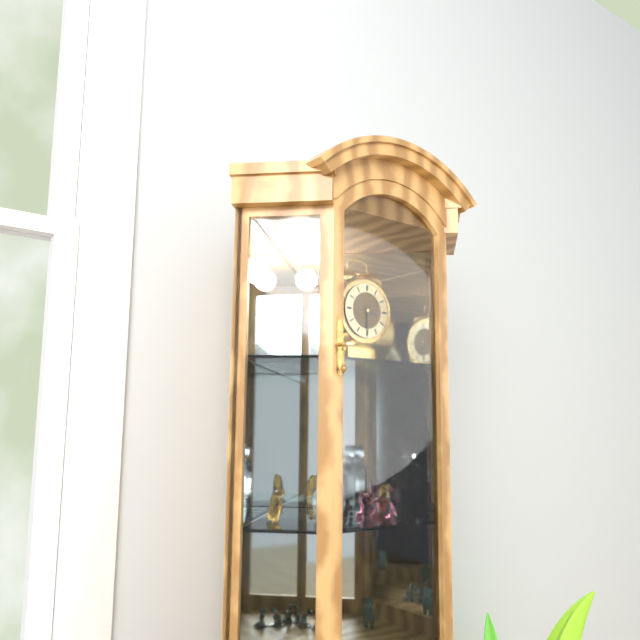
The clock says 3.30
